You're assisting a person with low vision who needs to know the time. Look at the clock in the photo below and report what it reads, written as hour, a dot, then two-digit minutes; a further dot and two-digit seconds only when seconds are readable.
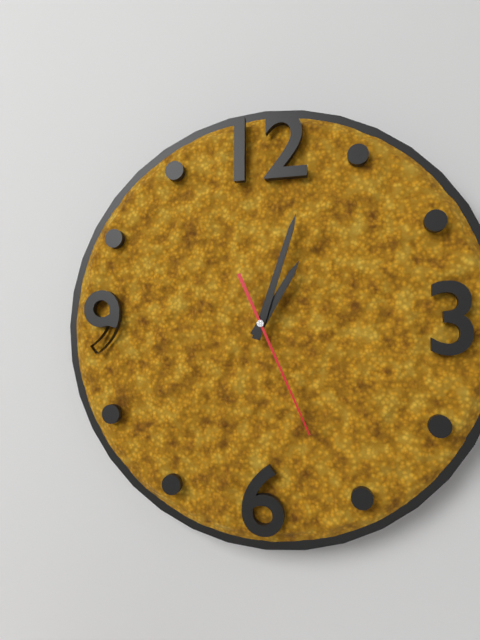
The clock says 1.03.26
